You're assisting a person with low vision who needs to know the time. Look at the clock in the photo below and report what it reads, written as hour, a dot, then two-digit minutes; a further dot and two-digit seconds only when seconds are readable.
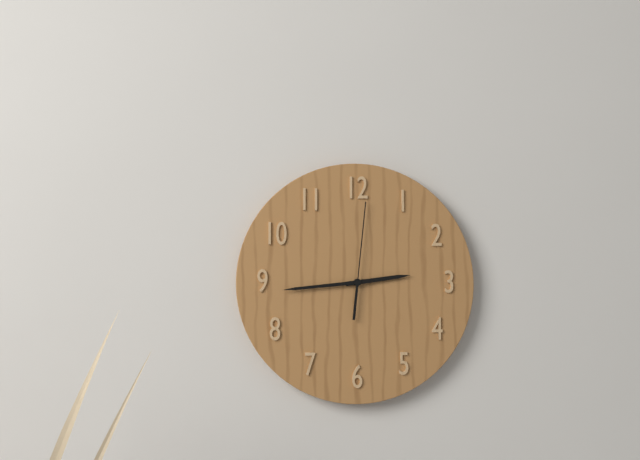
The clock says 2.44.01
